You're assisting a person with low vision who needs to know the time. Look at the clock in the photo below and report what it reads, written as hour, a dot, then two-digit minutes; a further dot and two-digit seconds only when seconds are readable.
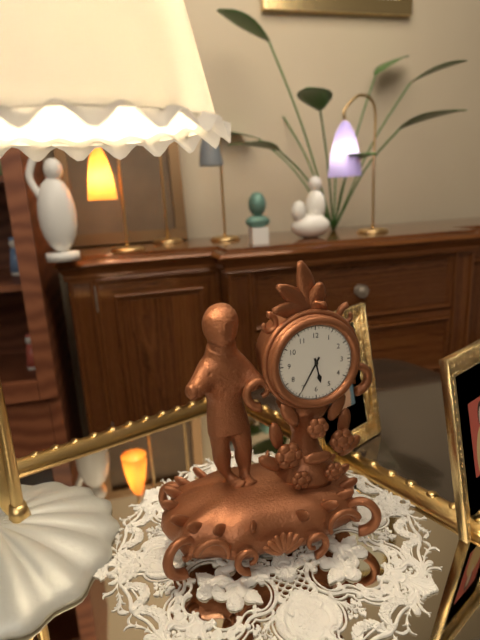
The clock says 5.35
